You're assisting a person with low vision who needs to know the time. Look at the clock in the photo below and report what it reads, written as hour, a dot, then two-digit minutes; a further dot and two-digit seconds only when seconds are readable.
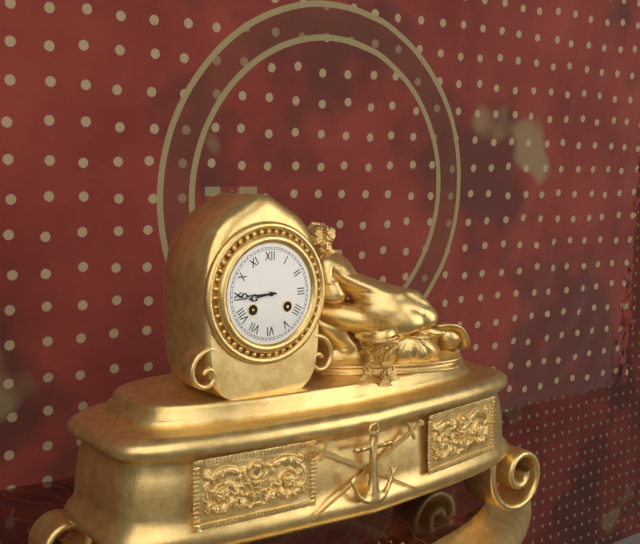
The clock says 8.45
